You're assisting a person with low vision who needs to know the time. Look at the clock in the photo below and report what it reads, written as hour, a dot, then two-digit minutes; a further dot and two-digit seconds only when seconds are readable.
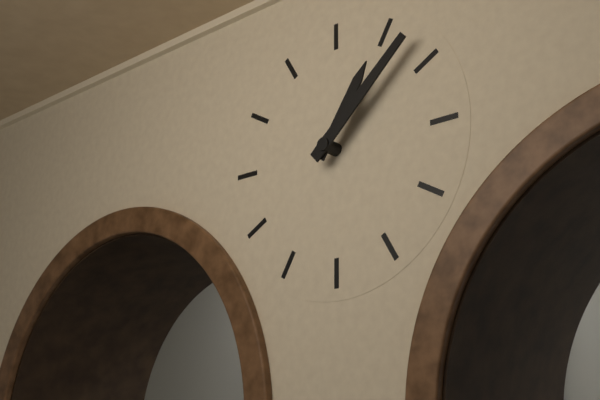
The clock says 1.08
